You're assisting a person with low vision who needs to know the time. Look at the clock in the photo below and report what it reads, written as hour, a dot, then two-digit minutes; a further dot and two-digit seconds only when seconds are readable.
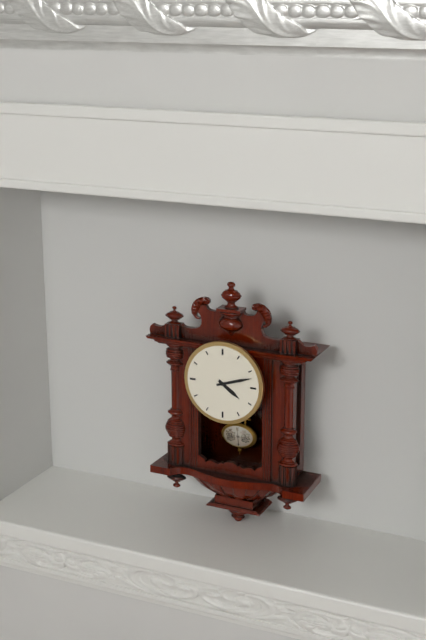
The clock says 4.12
